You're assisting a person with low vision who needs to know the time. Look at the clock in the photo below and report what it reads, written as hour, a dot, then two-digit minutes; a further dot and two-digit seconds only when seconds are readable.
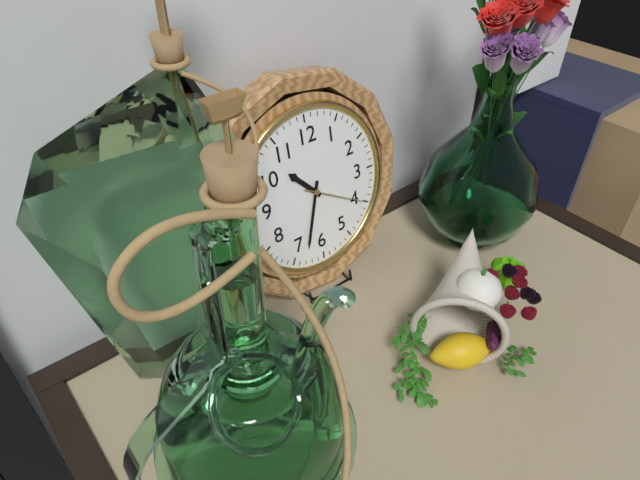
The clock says 10.33.20
